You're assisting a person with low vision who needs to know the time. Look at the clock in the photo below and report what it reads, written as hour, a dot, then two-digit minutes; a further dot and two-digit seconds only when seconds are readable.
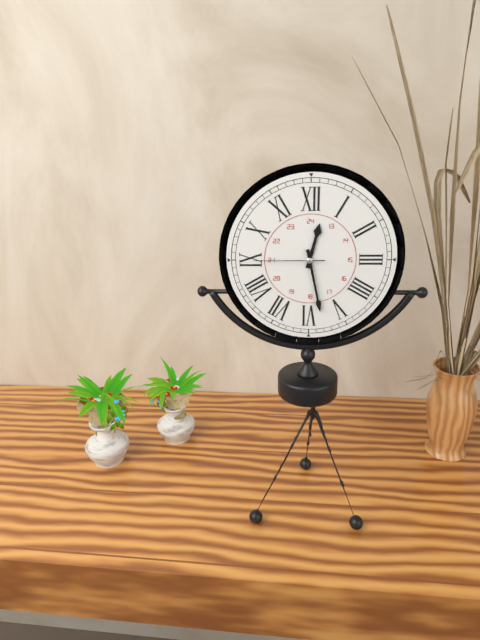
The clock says 12.28.45
